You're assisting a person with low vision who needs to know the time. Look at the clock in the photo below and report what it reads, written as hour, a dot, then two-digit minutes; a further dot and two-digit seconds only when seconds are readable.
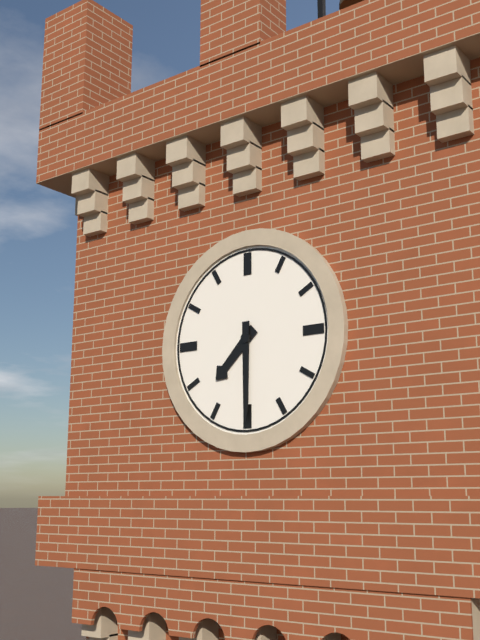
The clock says 7.30
